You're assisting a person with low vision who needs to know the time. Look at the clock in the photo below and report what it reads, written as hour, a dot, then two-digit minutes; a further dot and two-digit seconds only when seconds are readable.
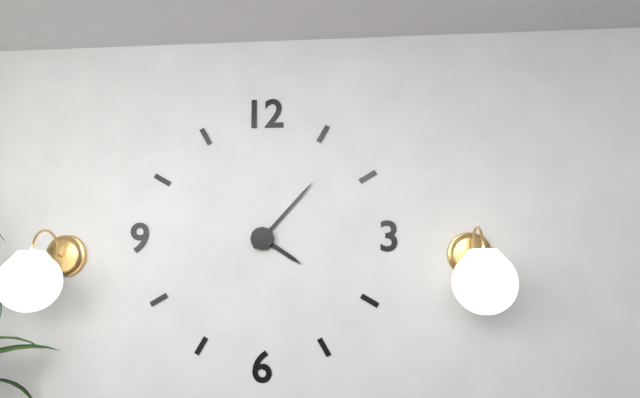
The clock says 4.07
